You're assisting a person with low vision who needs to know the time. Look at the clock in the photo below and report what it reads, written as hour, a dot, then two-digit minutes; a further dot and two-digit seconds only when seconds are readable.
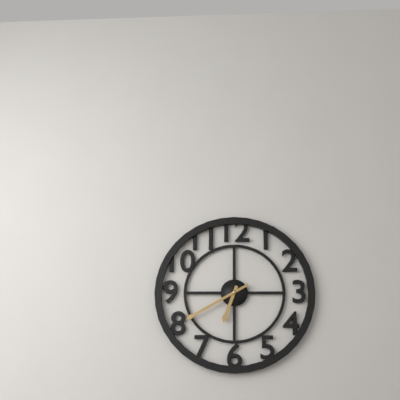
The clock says 6.40
